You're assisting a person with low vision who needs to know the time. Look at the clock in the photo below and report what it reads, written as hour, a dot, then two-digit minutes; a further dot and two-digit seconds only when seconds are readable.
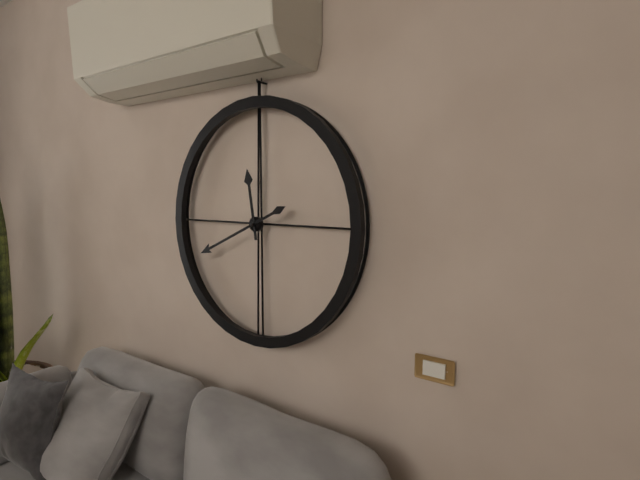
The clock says 11.41
